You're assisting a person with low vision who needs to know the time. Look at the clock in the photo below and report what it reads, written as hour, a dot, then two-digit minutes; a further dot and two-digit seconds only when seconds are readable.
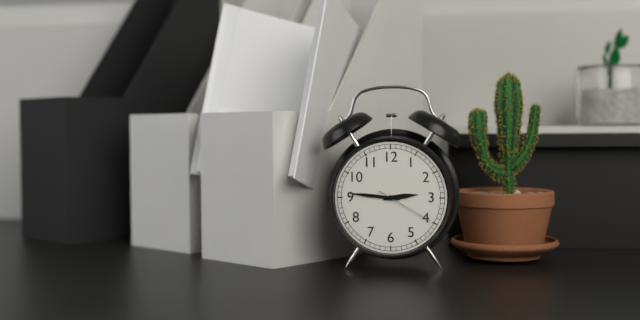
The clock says 2.46.20
